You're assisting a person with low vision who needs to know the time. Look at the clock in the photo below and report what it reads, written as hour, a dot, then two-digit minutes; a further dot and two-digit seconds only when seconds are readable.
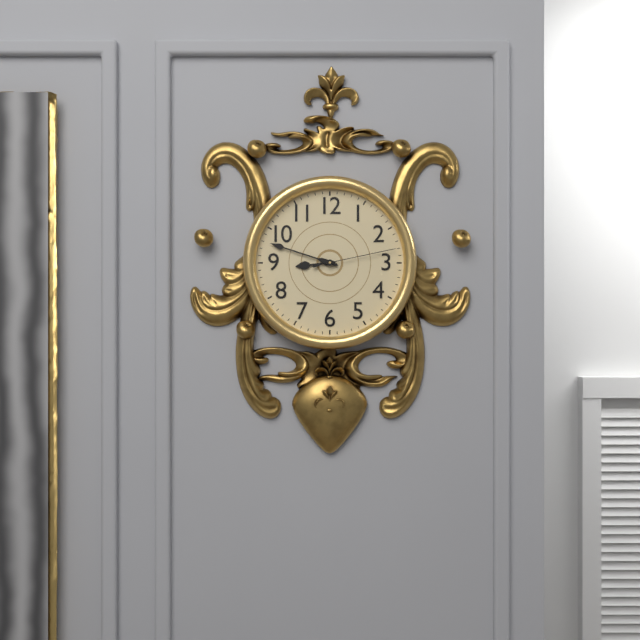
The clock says 8.48.13
